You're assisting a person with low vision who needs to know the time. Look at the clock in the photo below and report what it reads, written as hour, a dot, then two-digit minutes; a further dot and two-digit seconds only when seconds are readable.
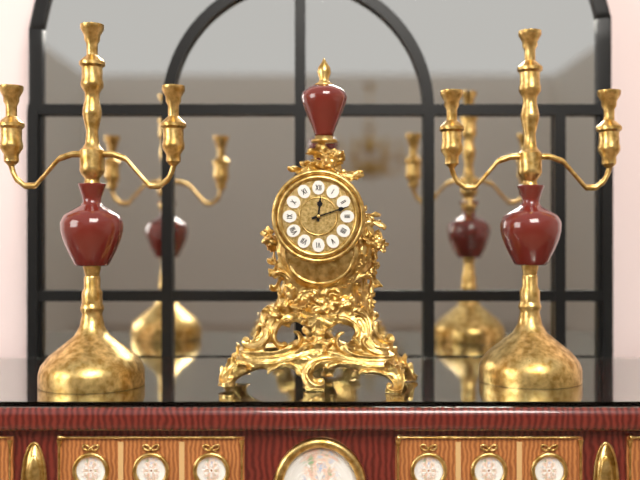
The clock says 12.12
